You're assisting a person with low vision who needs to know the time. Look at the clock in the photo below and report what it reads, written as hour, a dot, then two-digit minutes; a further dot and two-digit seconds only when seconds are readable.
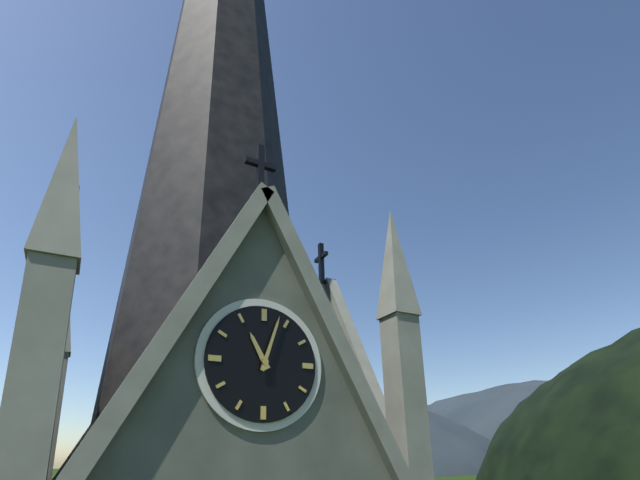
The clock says 11.03
